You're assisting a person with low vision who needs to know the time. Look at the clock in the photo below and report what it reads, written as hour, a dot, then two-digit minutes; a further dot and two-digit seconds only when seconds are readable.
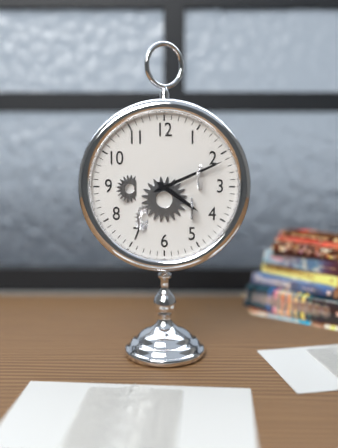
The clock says 4.11
